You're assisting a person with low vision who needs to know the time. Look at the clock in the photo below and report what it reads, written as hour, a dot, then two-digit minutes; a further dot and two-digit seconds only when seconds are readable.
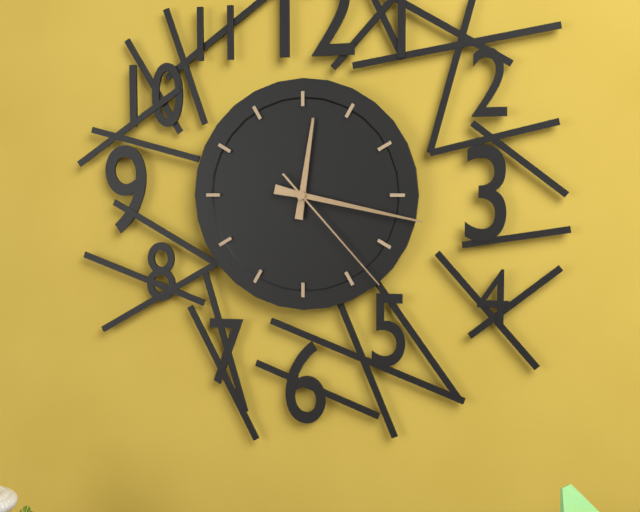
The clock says 12.17.23
